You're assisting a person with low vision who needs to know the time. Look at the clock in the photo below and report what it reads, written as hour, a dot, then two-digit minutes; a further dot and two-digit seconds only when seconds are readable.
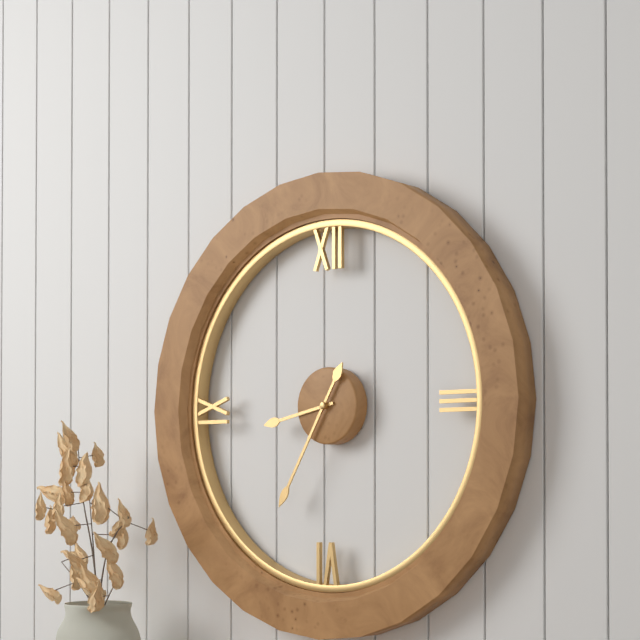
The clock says 8.35
